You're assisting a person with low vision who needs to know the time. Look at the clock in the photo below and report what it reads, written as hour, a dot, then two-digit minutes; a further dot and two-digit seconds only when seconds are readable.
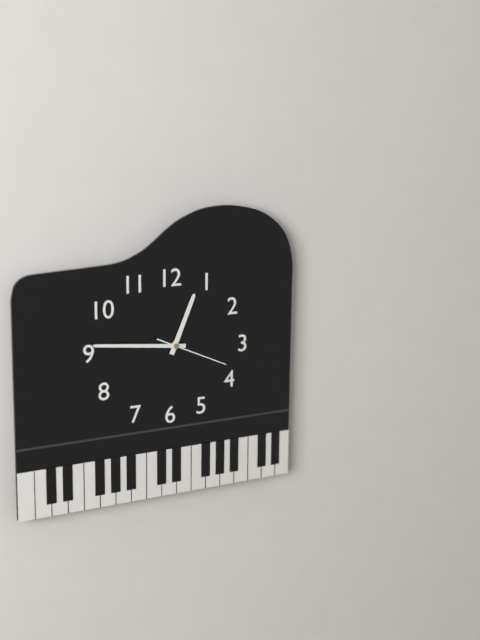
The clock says 12.46.19
